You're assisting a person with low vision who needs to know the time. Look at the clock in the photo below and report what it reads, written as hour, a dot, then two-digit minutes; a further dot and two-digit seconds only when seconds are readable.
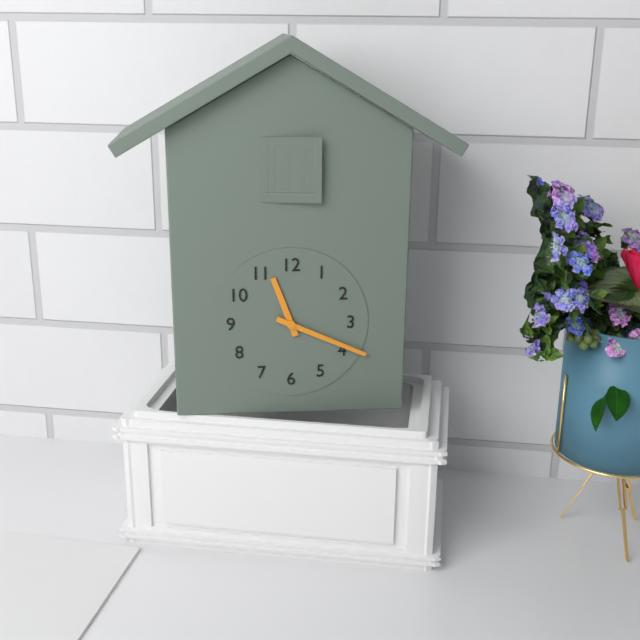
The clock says 11.19
